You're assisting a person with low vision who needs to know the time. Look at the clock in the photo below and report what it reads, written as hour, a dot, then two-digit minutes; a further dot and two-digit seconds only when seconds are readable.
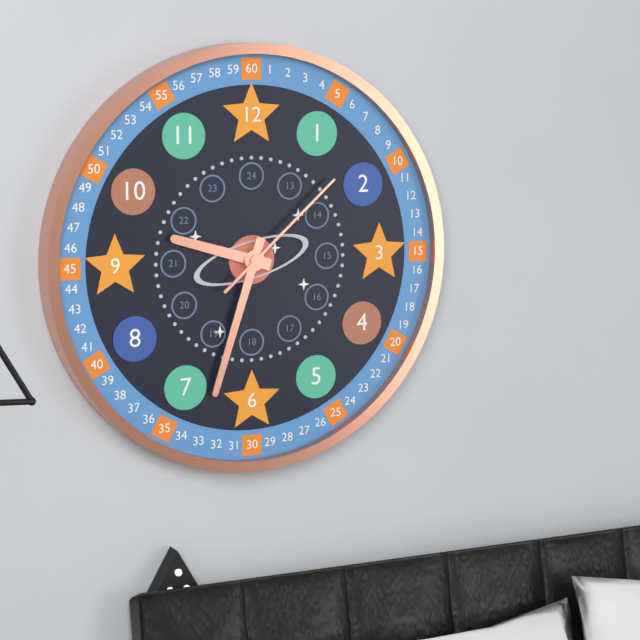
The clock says 9.33.08
